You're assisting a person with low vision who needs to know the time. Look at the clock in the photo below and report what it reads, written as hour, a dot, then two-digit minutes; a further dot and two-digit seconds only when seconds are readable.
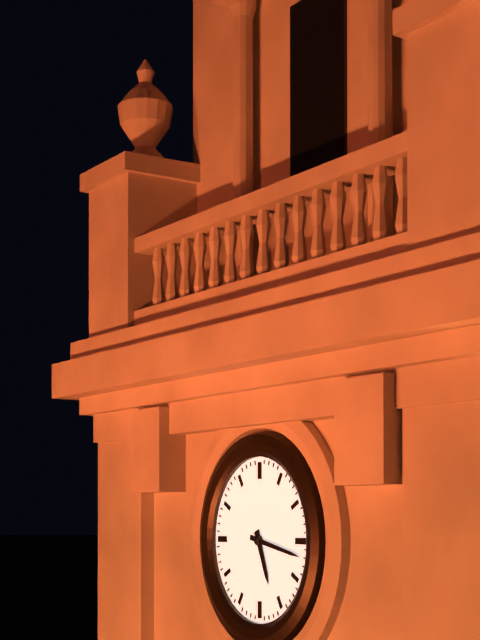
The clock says 5.17
